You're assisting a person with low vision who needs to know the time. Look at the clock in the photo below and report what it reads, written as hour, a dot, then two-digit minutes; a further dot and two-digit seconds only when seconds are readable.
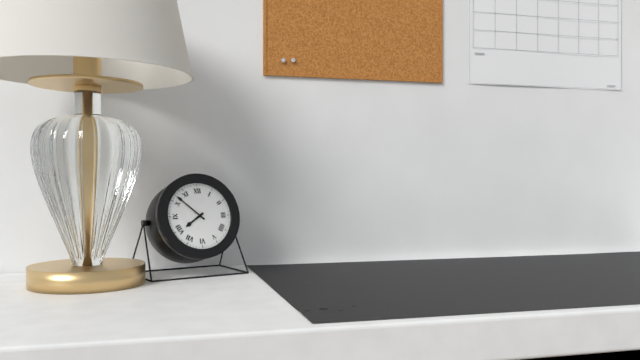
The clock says 7.52
